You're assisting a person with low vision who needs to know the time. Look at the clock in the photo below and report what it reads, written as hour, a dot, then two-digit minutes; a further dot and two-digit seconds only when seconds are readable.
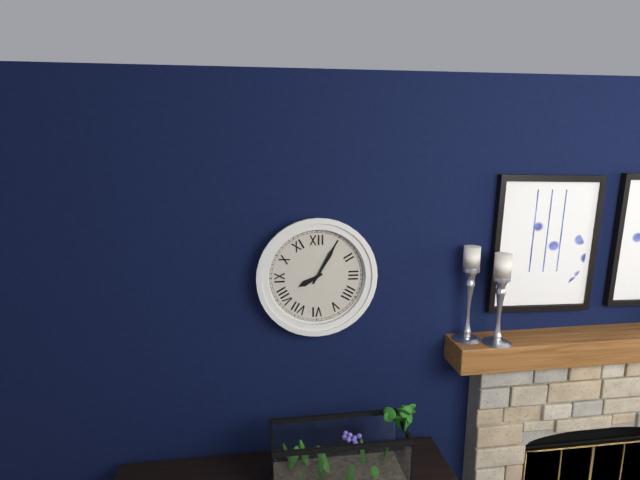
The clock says 8.05
